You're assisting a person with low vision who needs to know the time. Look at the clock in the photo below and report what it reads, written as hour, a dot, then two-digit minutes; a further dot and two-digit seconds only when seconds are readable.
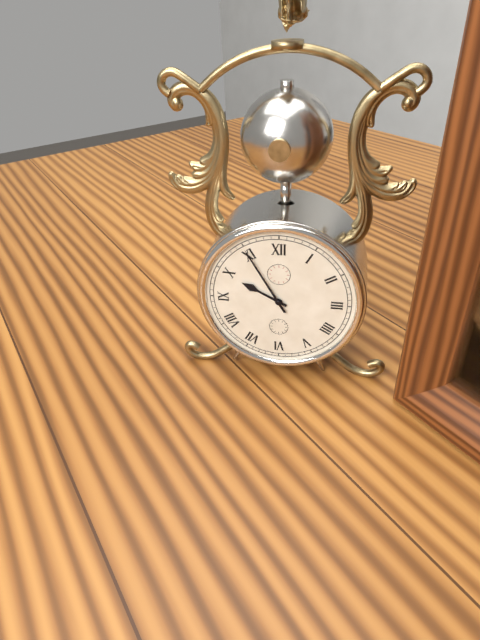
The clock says 9.55
